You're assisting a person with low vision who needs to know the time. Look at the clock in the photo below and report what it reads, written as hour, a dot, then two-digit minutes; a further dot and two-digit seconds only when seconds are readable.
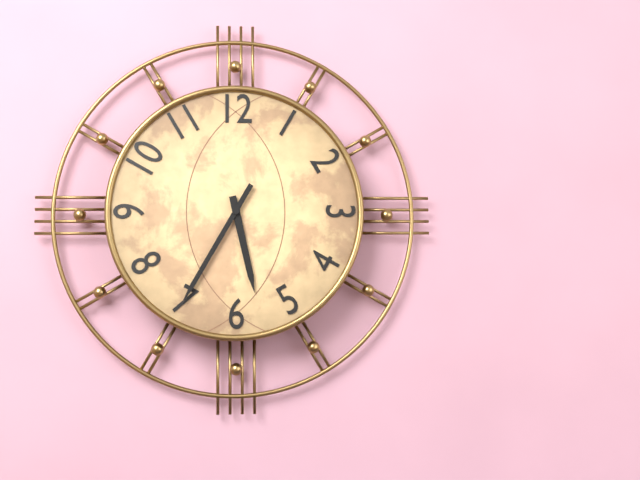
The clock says 5.35
